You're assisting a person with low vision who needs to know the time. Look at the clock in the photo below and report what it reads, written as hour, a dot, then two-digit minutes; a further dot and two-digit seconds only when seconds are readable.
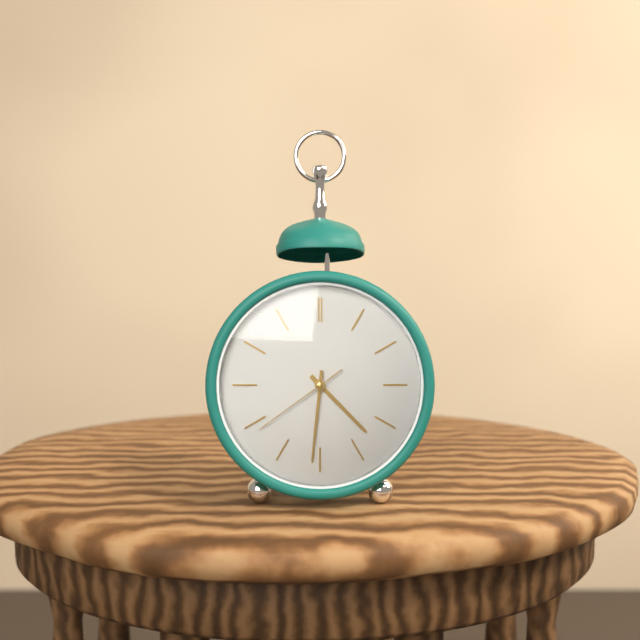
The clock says 4.31.39
